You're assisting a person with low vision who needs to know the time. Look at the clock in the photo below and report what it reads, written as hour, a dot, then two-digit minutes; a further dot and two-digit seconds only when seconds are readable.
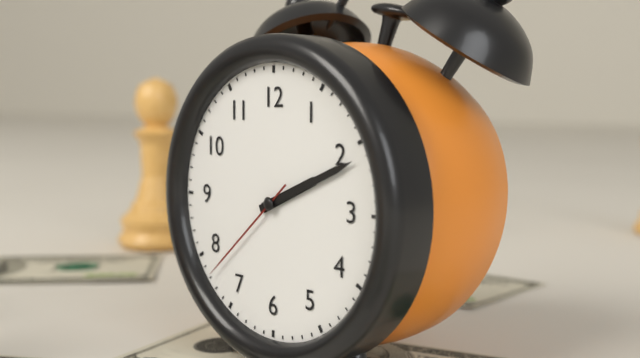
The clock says 2.11.38
